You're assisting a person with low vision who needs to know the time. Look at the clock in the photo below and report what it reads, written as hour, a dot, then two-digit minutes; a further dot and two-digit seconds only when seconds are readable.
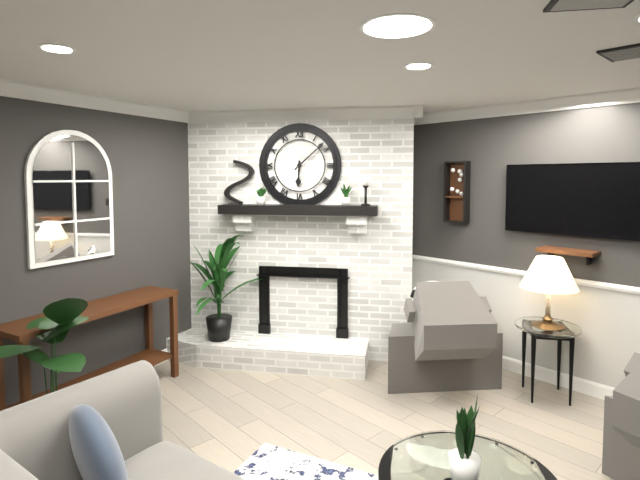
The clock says 6.08
